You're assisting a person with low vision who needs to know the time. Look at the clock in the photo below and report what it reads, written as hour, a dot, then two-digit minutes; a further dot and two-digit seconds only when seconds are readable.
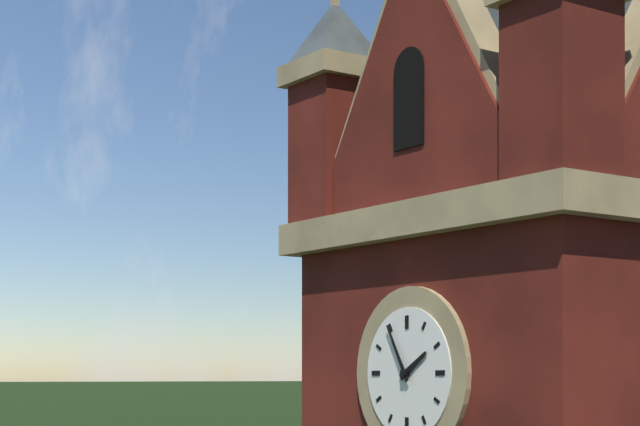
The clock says 1.55
